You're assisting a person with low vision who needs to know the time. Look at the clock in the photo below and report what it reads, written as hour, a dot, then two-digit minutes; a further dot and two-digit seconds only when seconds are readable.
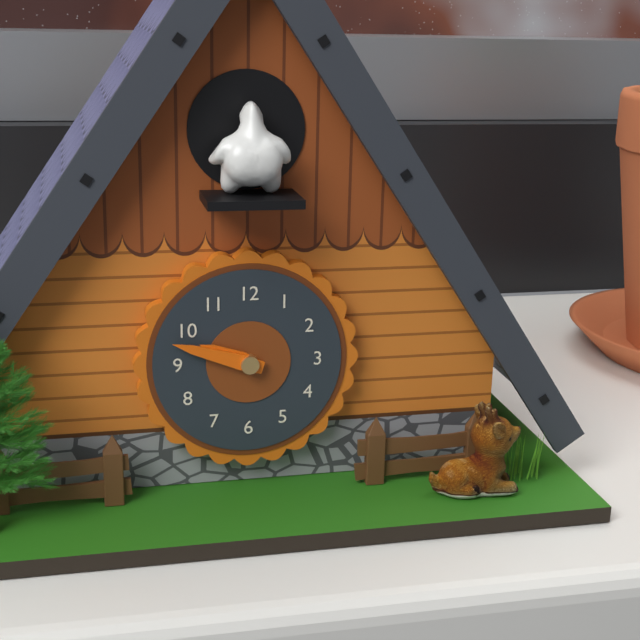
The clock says 9.48
